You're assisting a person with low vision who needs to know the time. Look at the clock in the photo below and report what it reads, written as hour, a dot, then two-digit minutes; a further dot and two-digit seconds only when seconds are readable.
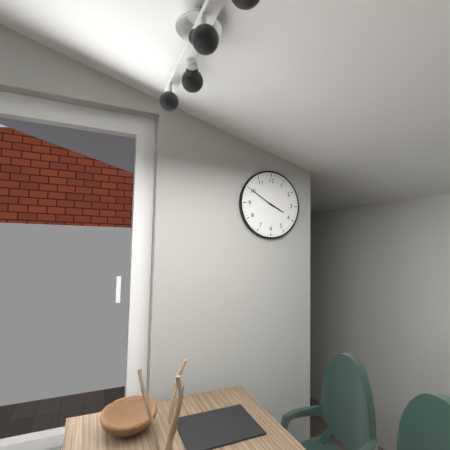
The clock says 3.50
